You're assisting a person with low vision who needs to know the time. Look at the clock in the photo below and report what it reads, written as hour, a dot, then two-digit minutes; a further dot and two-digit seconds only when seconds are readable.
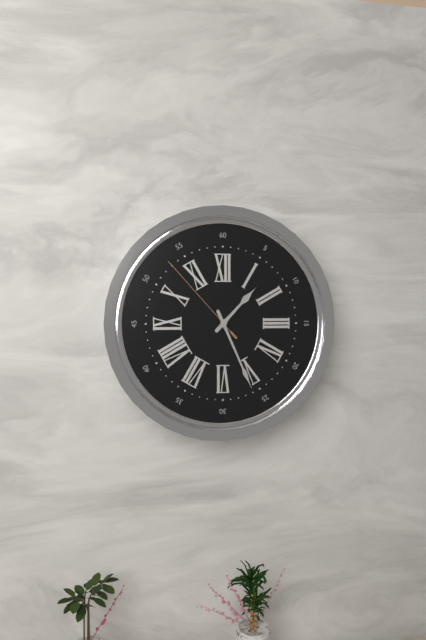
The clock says 1.26.53
